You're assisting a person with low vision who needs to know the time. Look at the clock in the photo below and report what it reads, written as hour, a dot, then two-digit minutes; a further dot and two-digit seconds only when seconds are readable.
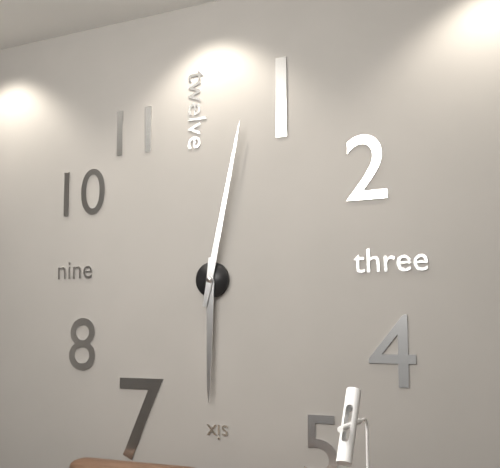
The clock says 6.02
